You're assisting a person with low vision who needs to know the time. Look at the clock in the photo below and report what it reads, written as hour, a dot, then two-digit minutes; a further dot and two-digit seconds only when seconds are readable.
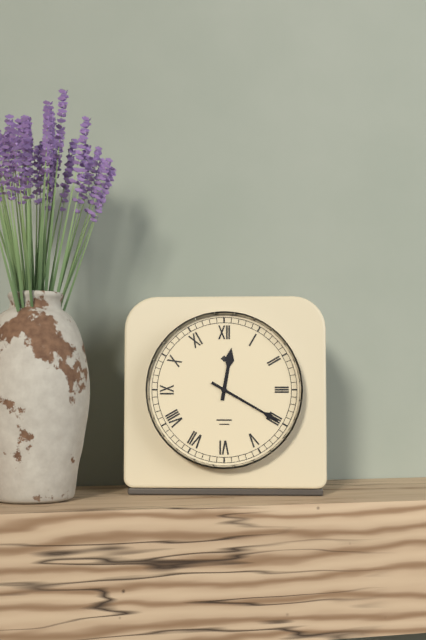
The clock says 12.20
